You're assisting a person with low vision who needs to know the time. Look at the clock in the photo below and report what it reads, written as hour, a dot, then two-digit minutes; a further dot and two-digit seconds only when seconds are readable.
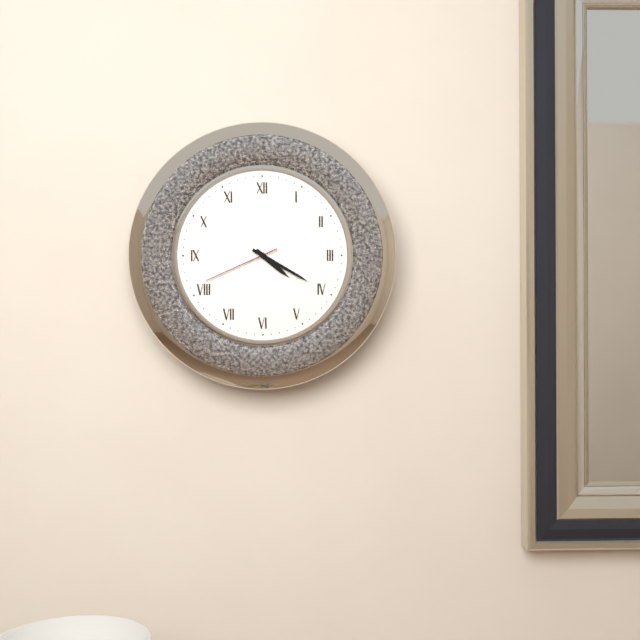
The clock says 4.20.41
